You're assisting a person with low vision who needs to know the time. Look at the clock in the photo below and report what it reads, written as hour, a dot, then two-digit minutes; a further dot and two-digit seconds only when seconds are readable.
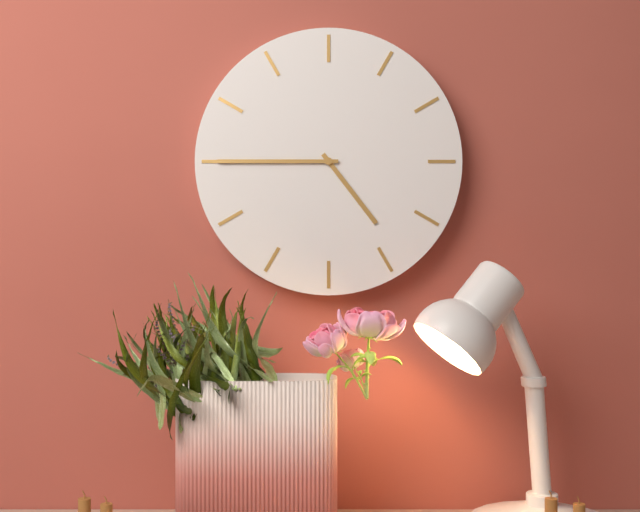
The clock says 4.45
